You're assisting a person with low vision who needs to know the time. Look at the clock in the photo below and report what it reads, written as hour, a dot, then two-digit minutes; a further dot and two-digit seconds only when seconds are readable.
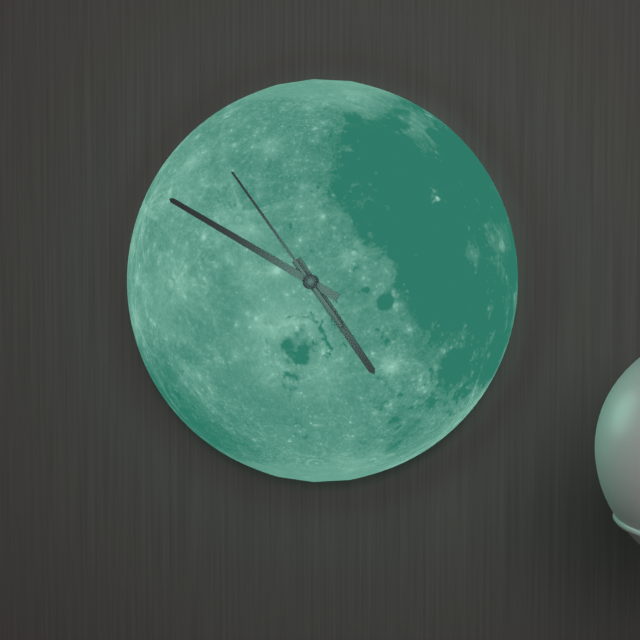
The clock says 4.50.54
